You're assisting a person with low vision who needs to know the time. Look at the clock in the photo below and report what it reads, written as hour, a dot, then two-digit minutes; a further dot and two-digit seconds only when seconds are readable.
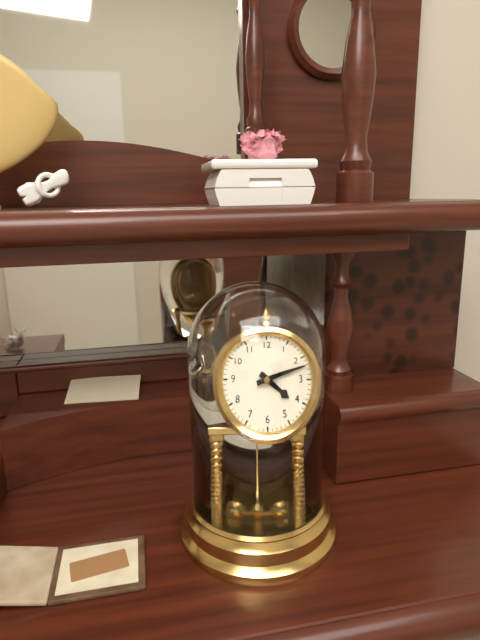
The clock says 4.12
